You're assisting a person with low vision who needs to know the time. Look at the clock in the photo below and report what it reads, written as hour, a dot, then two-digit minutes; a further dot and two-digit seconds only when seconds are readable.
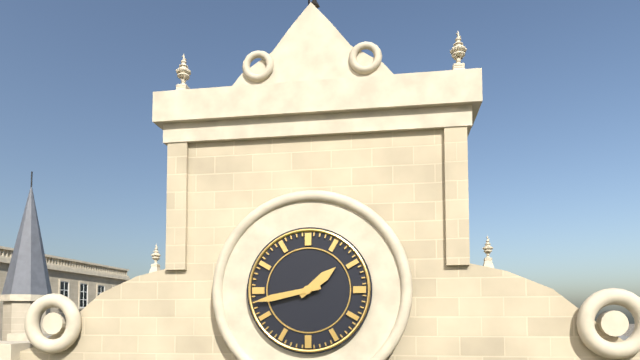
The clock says 1.43
